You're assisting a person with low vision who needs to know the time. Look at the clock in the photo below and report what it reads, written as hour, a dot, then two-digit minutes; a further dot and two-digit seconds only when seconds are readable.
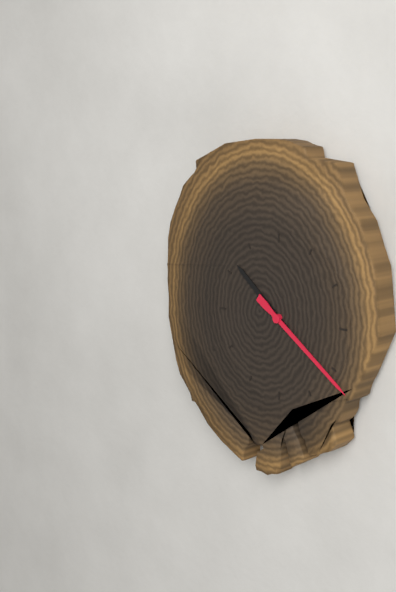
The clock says 10.21
